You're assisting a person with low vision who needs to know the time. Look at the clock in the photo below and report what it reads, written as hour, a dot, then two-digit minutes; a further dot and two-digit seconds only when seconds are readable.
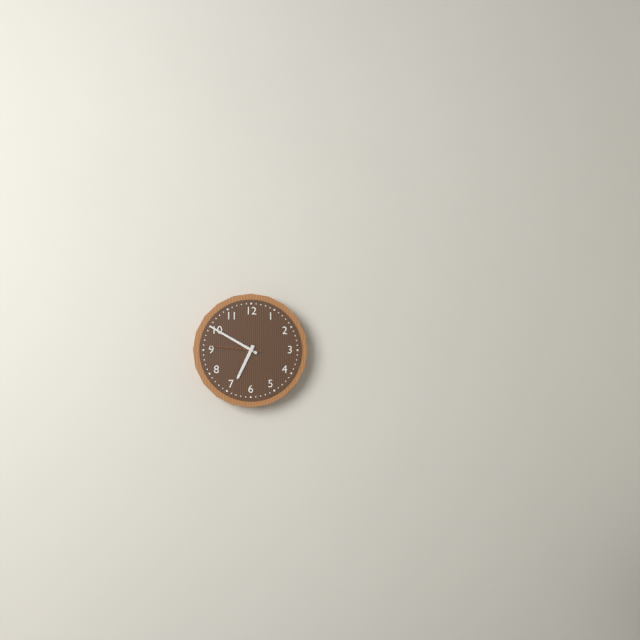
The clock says 6.50.46
